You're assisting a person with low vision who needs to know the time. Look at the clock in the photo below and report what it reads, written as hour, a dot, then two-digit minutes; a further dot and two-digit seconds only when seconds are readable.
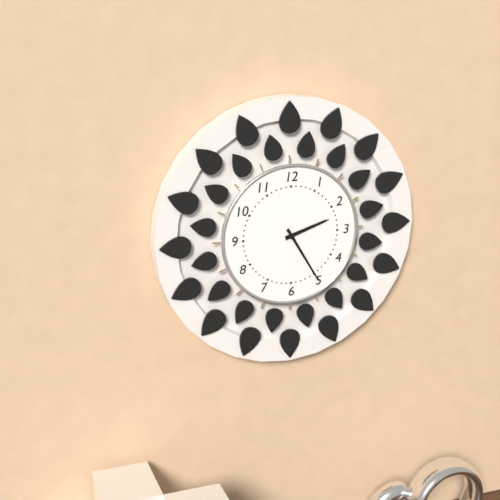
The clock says 2.25
